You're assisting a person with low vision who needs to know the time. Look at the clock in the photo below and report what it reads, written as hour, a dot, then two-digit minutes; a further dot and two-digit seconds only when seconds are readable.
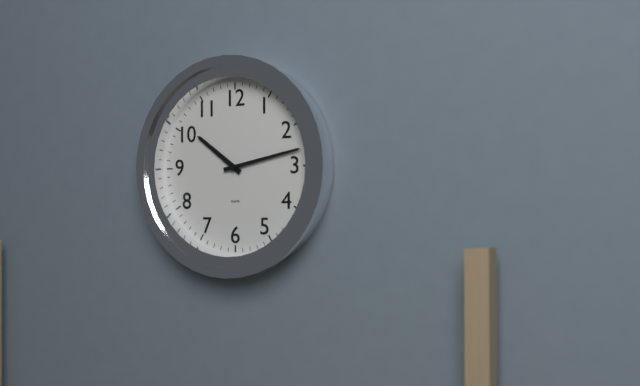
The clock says 10.13
